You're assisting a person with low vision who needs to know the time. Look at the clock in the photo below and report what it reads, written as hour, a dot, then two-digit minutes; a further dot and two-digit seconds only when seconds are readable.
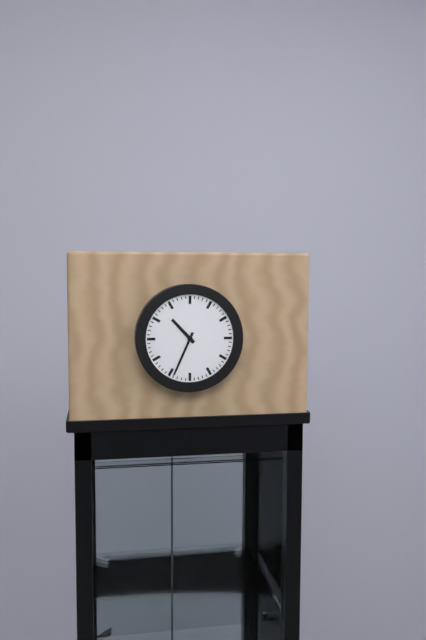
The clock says 10.34
